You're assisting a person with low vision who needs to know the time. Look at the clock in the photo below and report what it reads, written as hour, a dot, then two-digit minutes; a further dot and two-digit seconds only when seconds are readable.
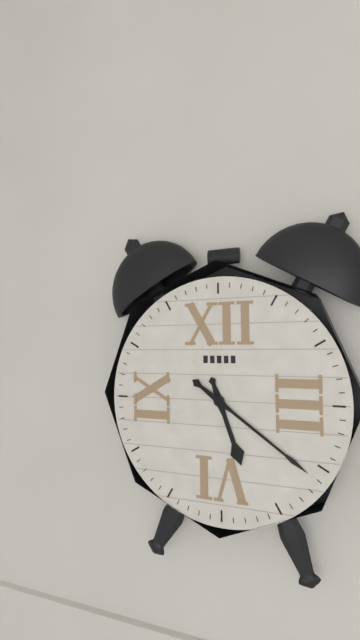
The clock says 5.21
